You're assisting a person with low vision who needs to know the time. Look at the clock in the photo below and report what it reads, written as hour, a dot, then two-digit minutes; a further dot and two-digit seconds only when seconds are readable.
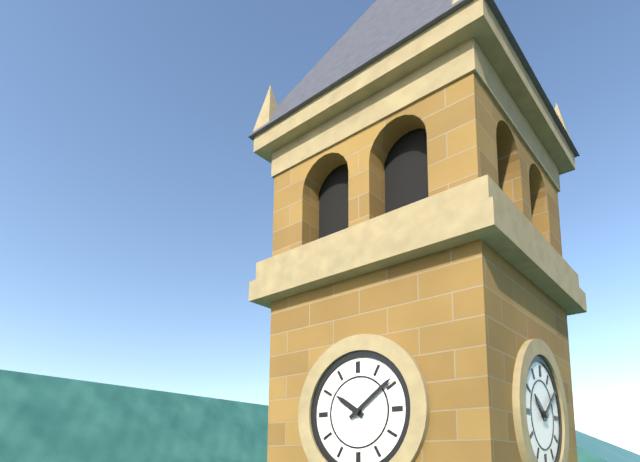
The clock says 10.09
